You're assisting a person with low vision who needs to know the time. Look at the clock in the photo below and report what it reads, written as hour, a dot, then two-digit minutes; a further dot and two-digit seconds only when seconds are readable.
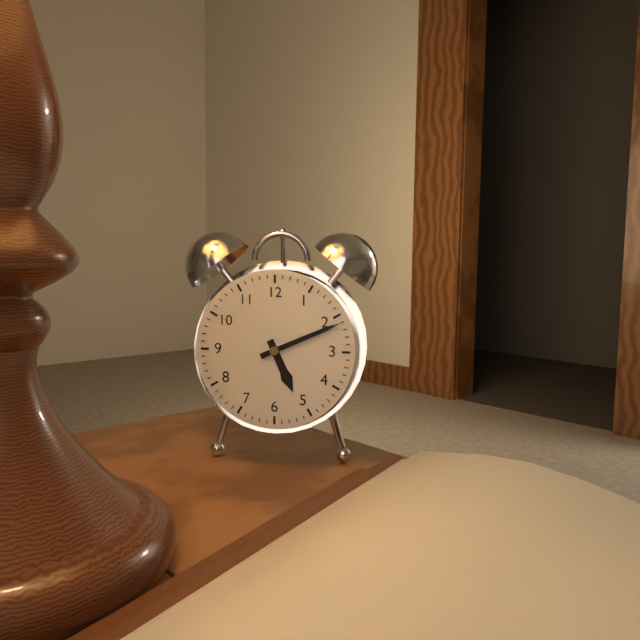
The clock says 5.11
